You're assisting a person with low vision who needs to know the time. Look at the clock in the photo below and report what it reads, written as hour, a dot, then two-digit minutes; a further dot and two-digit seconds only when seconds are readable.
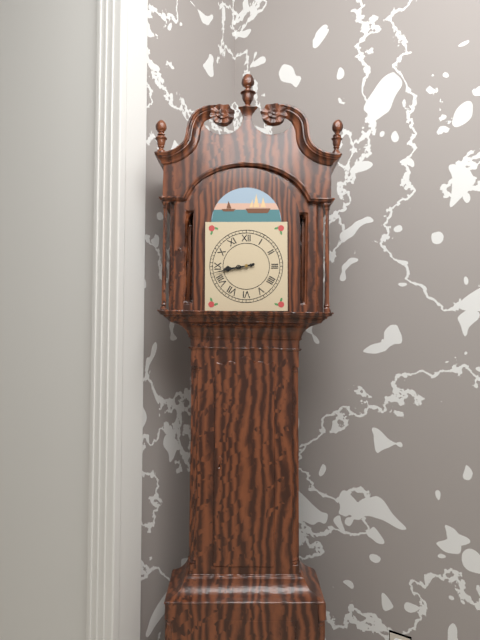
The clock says 8.43
